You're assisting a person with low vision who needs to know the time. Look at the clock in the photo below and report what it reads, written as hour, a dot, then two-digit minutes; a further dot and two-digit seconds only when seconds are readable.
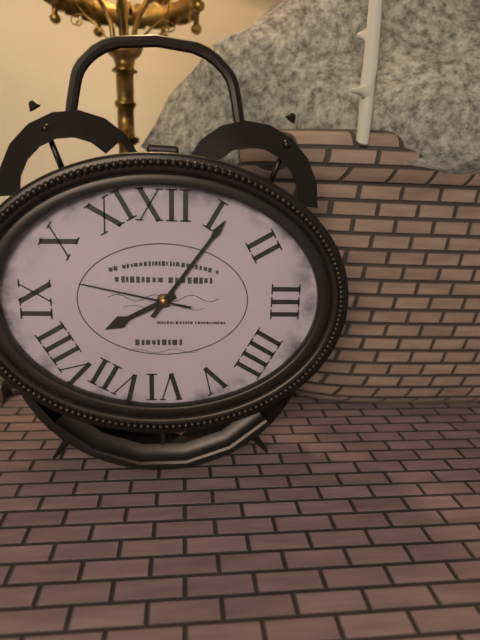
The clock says 8.06.47
